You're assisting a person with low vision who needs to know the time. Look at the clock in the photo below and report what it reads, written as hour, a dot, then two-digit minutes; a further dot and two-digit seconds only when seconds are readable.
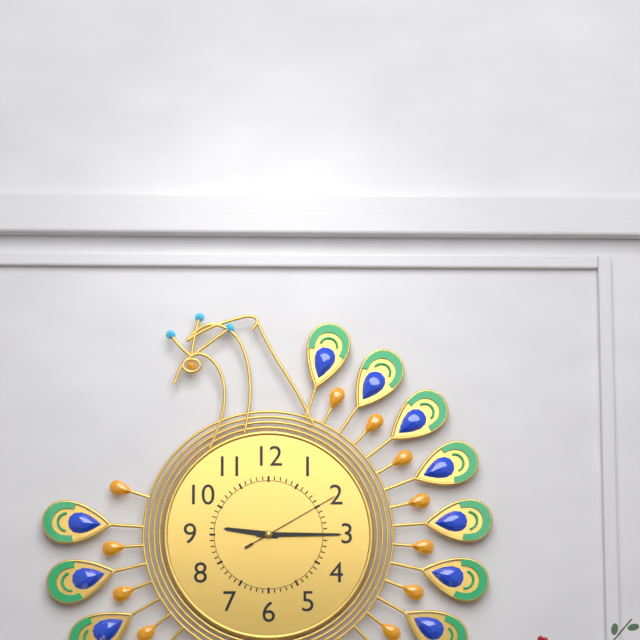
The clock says 9.15.10
